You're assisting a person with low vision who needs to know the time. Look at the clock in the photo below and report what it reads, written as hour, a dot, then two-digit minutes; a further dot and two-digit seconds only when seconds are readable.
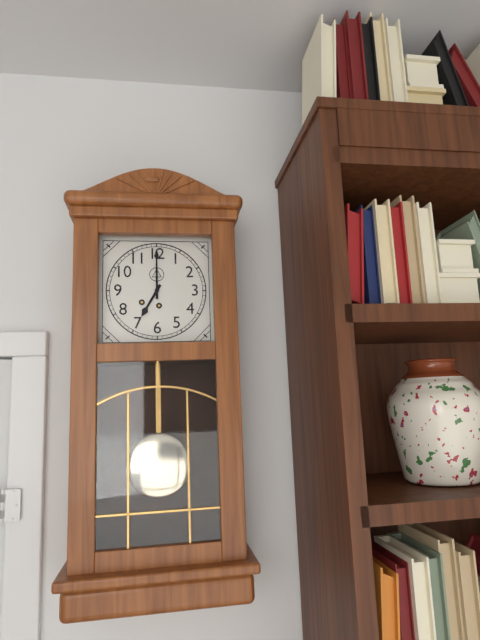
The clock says 7.00
